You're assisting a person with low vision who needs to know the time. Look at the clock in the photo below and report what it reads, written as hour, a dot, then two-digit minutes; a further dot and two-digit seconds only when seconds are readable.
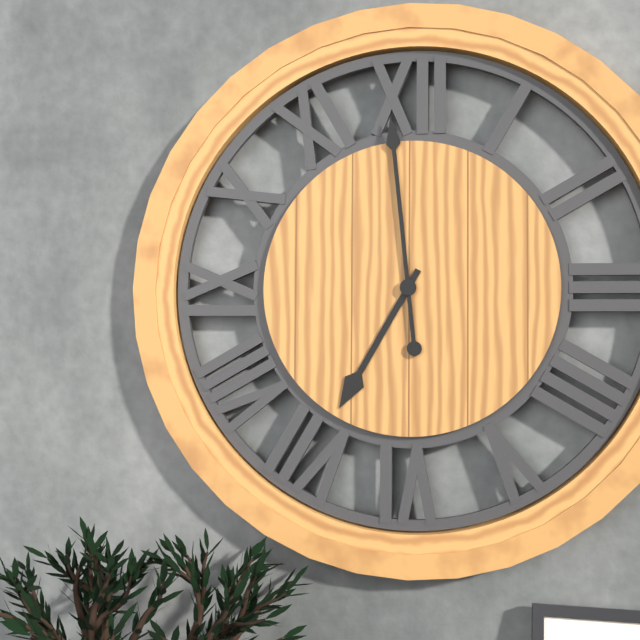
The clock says 6.59
